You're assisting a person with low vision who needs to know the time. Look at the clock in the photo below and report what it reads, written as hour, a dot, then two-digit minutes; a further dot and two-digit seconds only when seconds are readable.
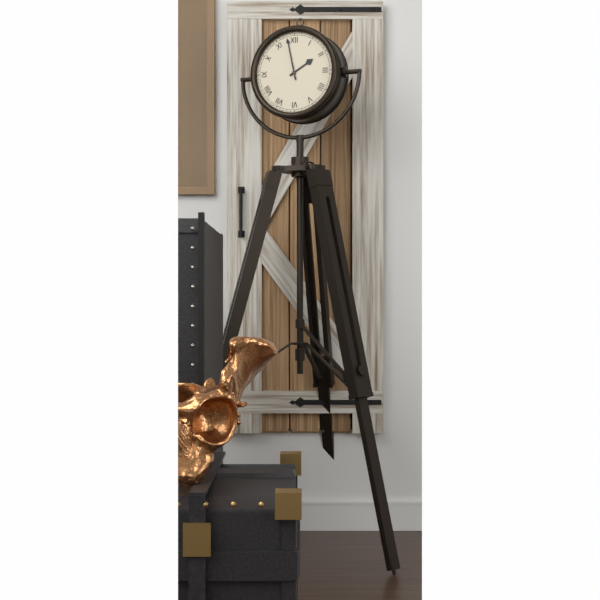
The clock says 1.58
